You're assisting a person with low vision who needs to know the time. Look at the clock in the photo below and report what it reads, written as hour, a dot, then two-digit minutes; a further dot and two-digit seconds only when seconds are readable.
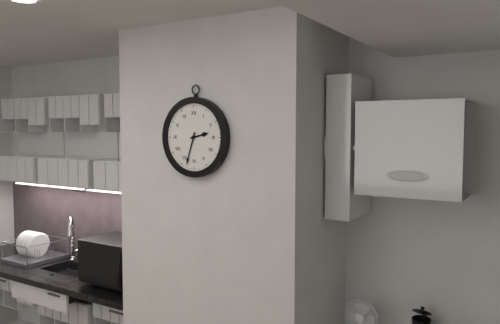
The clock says 2.33
